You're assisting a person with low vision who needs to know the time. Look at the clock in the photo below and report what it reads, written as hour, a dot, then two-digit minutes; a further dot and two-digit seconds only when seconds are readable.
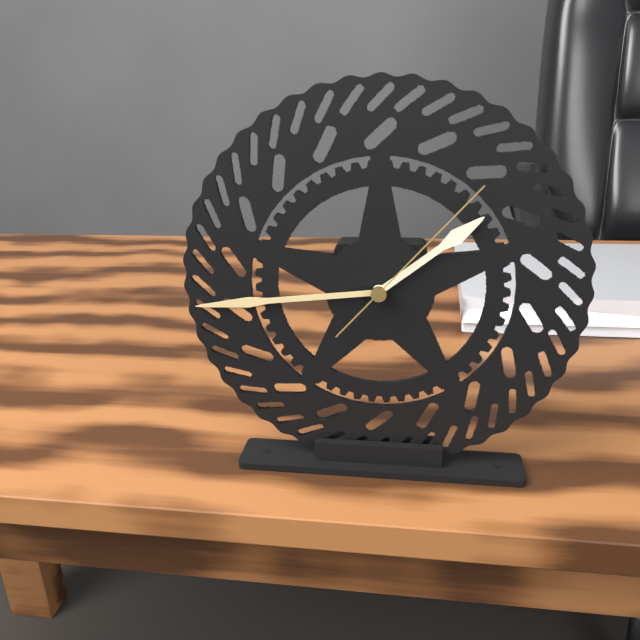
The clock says 1.44.07
